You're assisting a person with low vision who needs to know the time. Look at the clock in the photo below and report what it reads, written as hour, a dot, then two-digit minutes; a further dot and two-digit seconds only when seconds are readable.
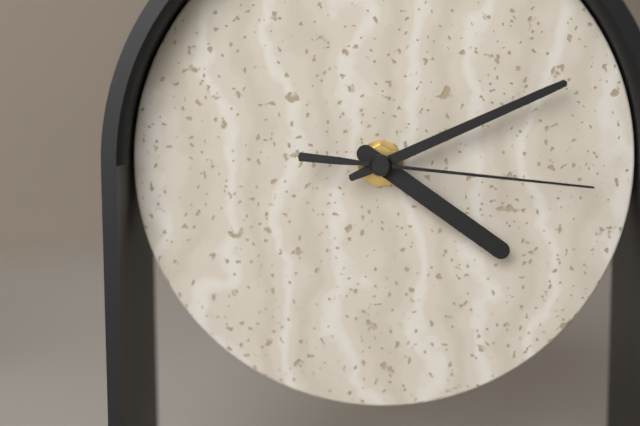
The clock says 4.11.16
